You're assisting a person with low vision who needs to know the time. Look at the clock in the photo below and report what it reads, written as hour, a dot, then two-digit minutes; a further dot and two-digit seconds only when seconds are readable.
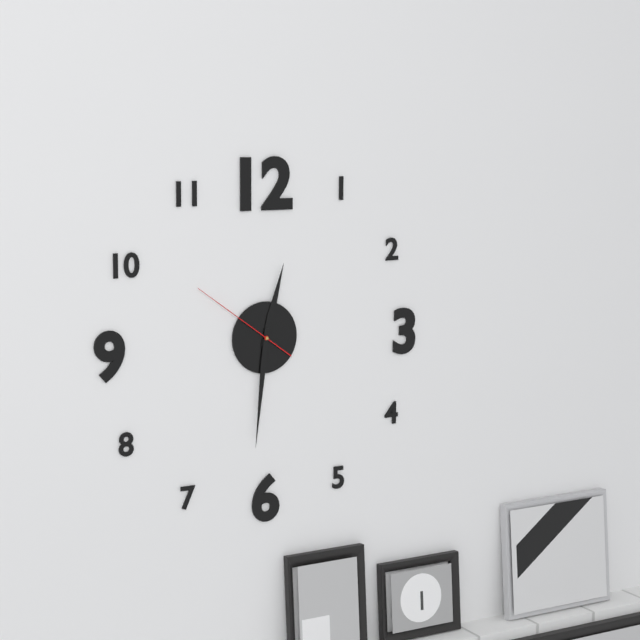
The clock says 12.31.51
